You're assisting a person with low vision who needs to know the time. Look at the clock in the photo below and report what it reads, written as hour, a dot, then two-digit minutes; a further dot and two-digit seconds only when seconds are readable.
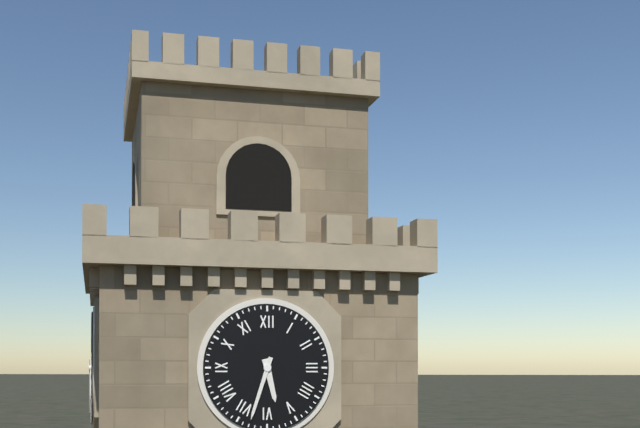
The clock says 5.33
